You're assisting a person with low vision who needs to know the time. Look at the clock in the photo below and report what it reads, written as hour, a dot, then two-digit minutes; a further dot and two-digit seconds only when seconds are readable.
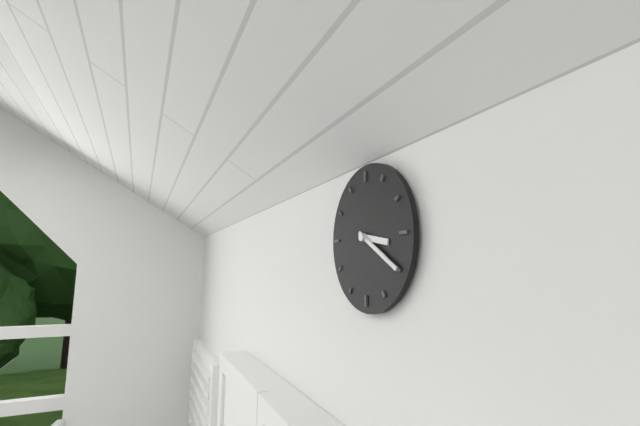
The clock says 3.20
